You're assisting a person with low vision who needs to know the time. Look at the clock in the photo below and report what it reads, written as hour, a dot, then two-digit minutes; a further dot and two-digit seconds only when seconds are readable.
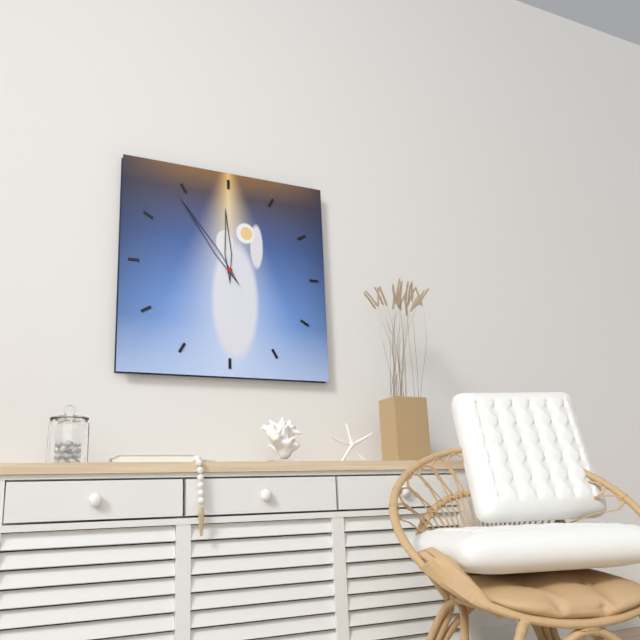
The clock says 11.54
